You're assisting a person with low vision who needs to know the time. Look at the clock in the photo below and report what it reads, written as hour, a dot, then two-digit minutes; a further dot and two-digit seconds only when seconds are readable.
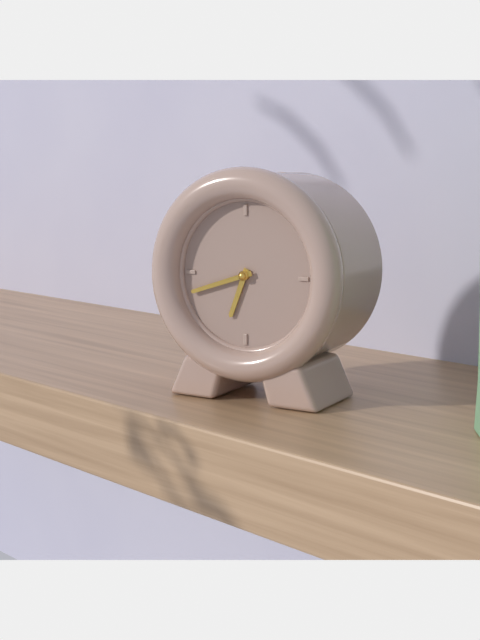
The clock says 6.42
